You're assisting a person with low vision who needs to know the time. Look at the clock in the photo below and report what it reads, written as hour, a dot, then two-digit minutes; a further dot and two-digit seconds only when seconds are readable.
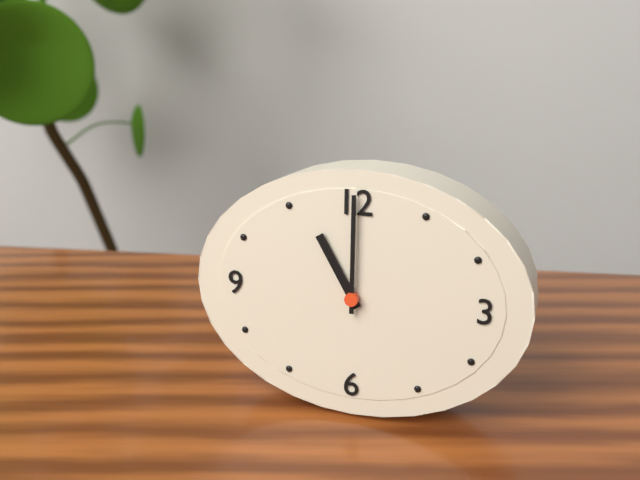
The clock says 11.00
